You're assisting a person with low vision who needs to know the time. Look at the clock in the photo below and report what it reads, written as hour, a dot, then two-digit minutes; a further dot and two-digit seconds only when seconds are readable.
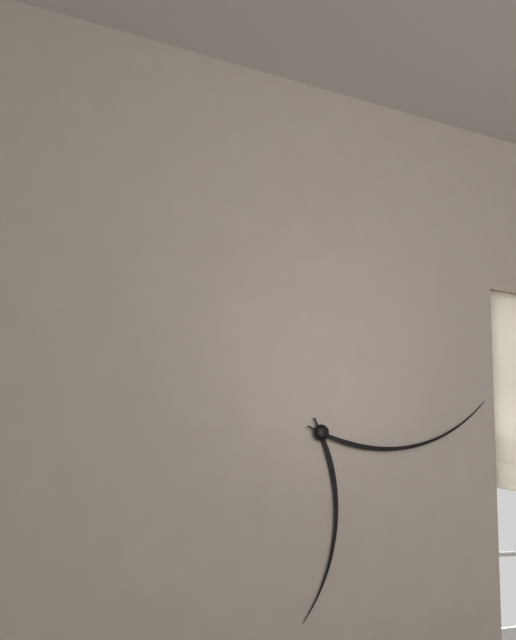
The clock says 6.13
